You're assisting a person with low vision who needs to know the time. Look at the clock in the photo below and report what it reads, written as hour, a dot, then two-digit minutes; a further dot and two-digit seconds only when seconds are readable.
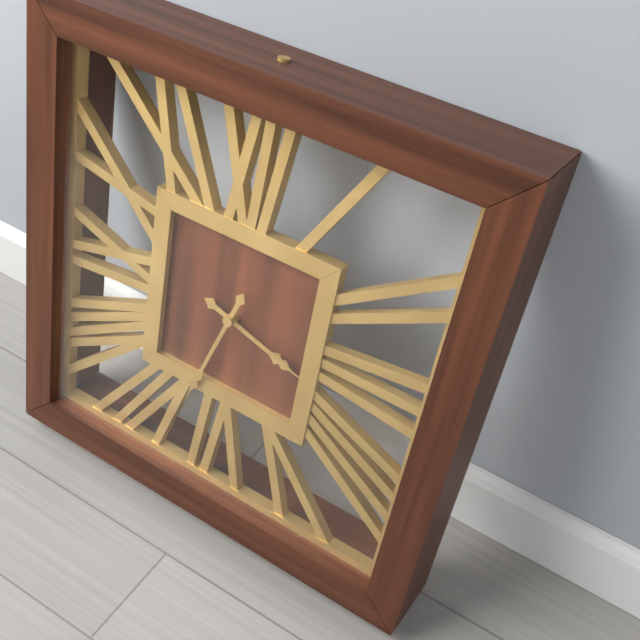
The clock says 3.33
